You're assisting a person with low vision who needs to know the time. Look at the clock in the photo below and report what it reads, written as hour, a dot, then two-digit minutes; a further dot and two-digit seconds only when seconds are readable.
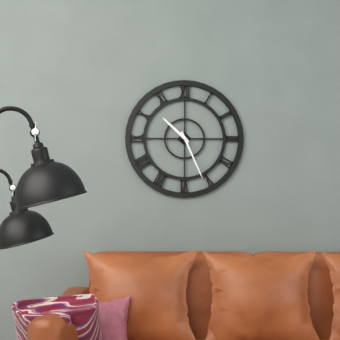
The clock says 10.26
